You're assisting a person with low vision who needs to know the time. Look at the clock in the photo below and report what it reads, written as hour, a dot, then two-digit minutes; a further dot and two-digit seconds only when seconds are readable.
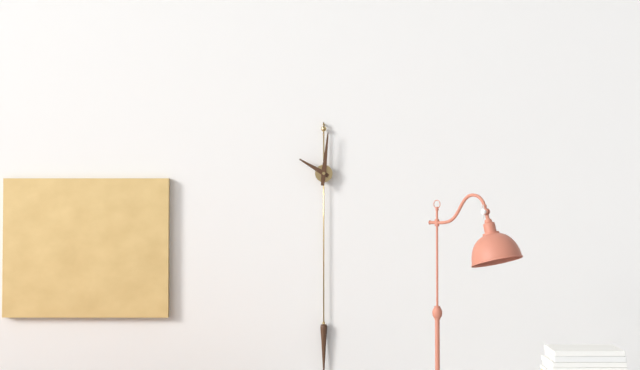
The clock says 10.01
